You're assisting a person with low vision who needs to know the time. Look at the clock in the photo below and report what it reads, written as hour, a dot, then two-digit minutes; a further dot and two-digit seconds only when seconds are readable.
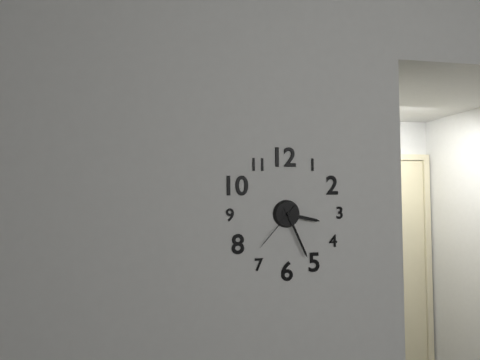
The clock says 3.26.37
